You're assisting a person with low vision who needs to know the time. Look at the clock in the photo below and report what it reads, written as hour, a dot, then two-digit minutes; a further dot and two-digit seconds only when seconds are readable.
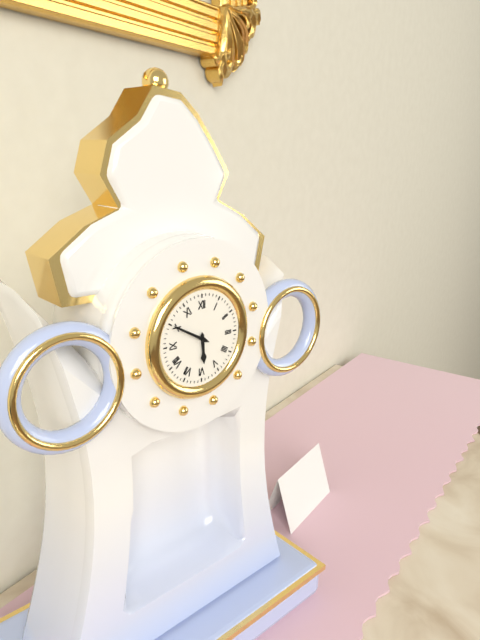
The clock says 5.50
